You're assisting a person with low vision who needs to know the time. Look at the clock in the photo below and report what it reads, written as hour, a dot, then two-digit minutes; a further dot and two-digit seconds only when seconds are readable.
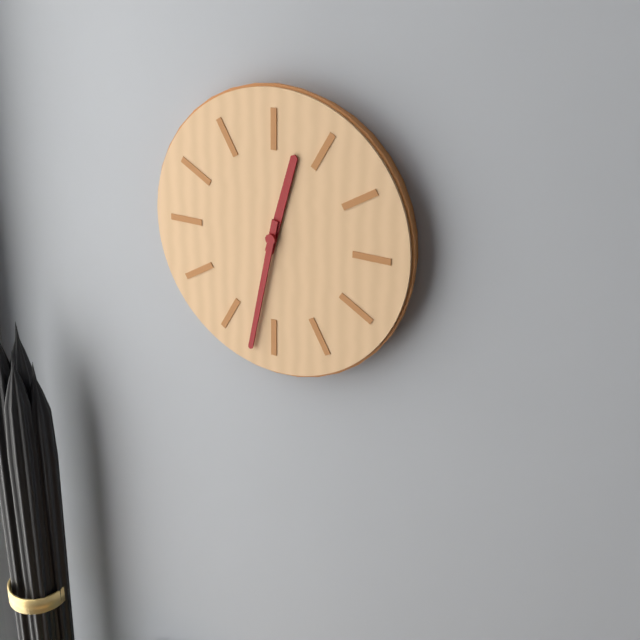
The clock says 12.32
